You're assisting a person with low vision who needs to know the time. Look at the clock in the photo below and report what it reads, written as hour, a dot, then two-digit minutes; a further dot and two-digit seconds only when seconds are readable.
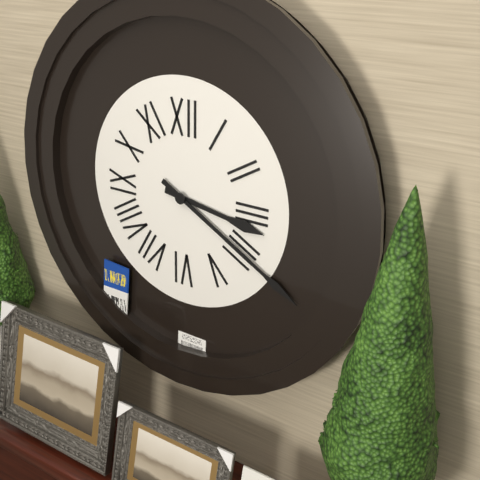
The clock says 3.20
